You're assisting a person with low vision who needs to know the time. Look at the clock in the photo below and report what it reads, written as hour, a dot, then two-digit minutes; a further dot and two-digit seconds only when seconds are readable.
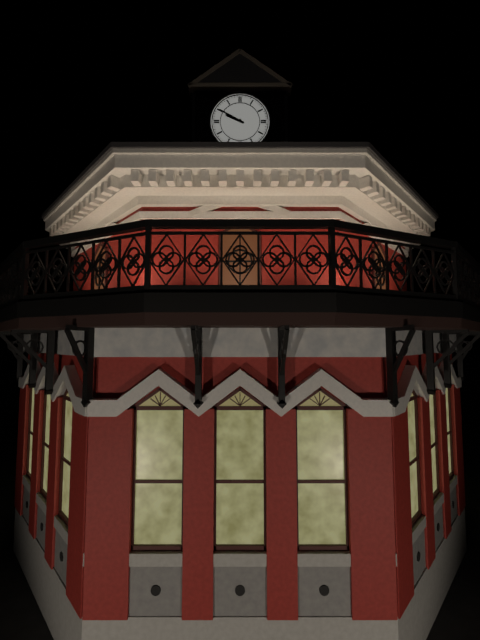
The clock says 9.50
